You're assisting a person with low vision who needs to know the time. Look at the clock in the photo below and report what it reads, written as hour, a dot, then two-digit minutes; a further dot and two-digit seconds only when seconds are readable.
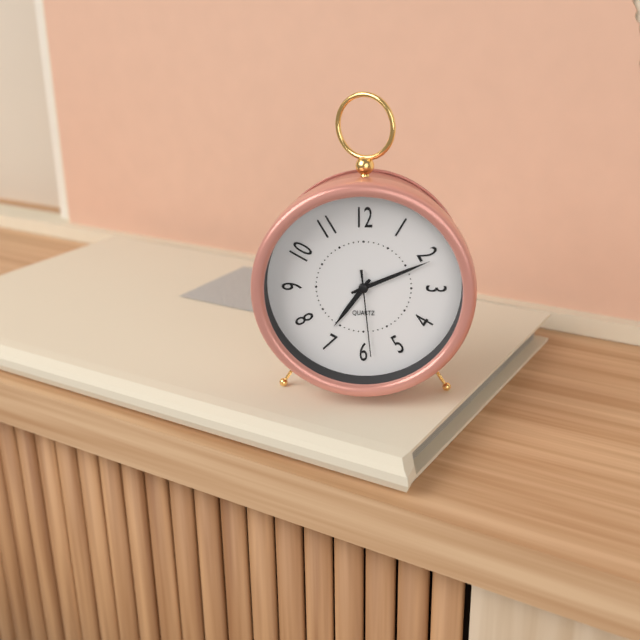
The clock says 7.11.29
